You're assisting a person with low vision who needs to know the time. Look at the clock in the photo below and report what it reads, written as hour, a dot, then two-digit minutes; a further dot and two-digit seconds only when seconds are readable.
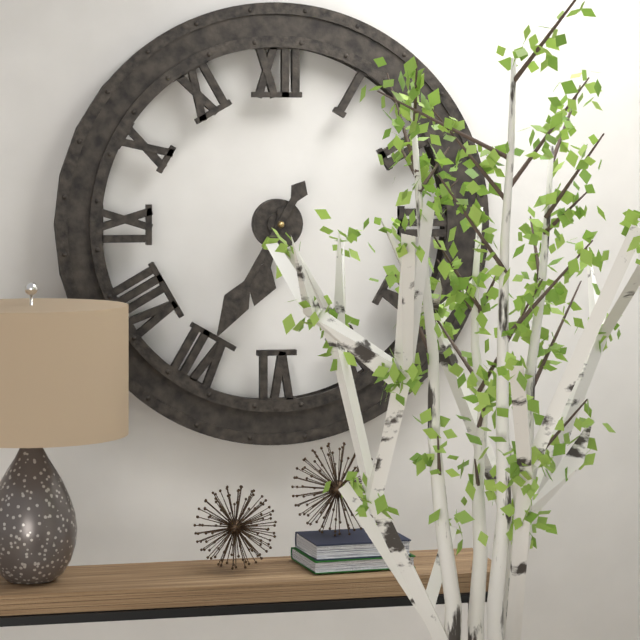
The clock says 6.35
